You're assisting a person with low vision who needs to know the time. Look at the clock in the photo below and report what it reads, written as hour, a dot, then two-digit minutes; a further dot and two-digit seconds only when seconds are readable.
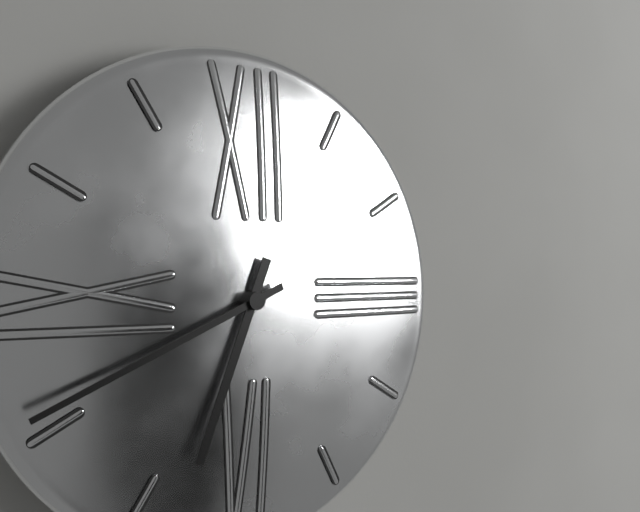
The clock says 6.41
